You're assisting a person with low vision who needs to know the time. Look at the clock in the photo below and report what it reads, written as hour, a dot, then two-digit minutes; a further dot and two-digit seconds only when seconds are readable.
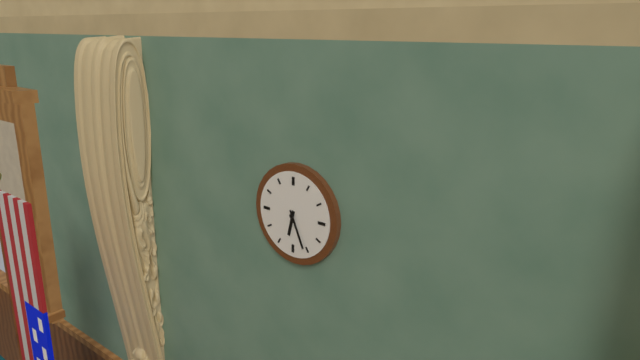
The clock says 6.26
